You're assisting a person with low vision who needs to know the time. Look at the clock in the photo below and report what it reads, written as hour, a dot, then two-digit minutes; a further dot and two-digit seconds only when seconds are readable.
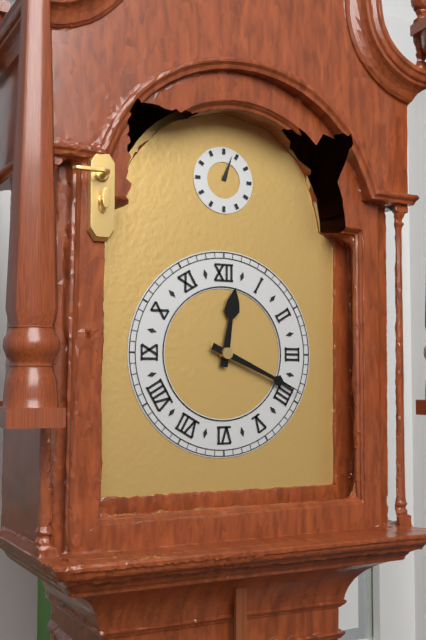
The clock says 12.19
